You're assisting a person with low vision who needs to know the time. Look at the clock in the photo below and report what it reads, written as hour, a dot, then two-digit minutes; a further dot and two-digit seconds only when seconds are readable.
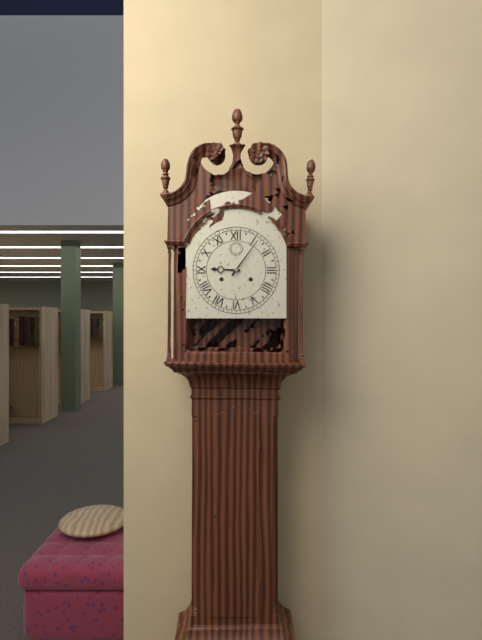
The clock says 9.06
